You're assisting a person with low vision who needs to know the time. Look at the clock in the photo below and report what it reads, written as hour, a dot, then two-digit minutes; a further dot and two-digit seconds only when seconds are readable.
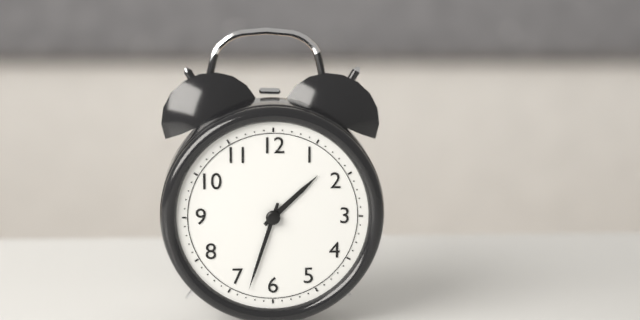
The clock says 1.33
